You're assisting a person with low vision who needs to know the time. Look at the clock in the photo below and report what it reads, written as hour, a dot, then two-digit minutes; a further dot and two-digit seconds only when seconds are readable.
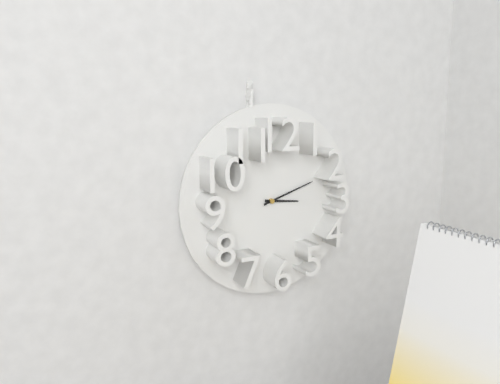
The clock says 3.12
